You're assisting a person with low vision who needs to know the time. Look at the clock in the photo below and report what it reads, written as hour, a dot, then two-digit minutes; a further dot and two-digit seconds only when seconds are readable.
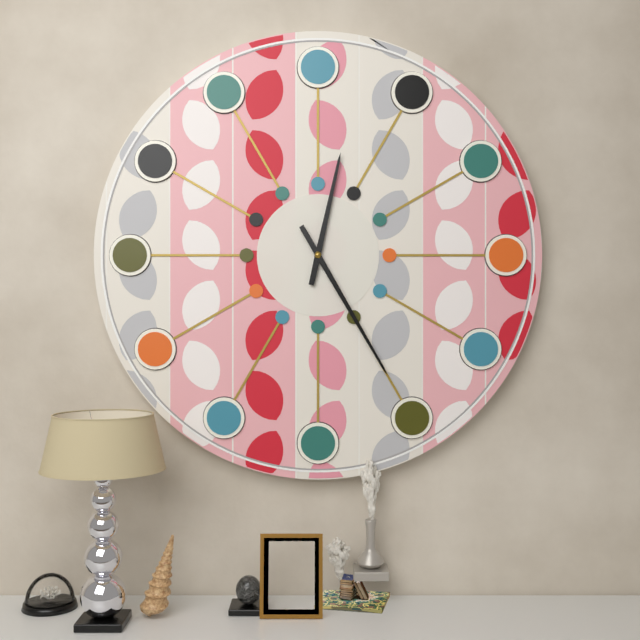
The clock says 12.25
